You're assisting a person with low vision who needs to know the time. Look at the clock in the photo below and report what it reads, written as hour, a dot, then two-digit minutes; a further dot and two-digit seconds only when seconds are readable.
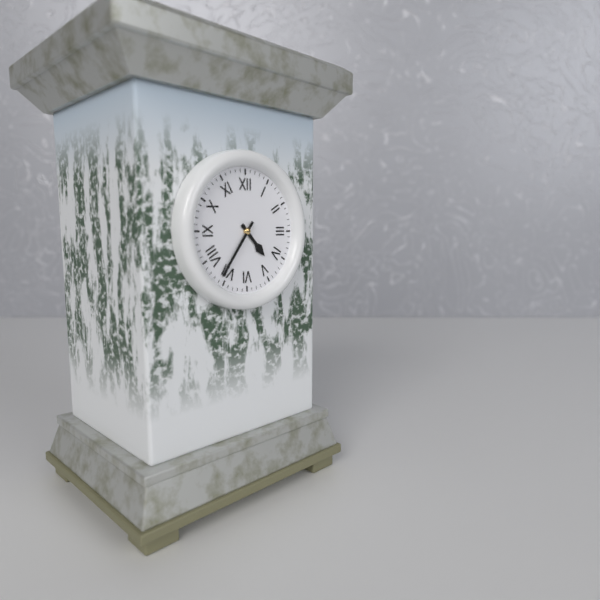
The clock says 4.36
